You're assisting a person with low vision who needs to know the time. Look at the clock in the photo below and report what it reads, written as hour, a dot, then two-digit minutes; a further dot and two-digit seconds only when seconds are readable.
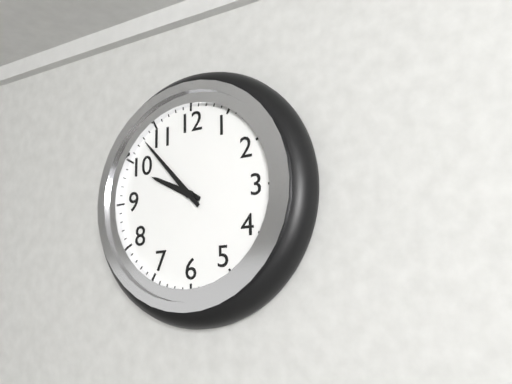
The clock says 9.53
